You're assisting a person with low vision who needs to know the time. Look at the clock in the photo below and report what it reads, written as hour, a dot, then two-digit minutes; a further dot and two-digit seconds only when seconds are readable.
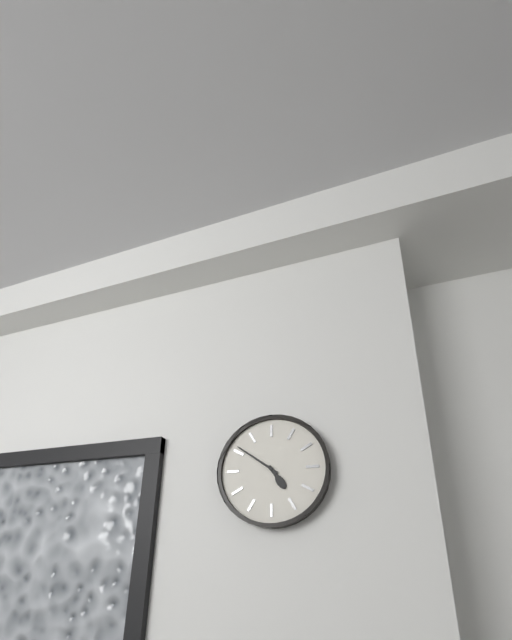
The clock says 4.51
